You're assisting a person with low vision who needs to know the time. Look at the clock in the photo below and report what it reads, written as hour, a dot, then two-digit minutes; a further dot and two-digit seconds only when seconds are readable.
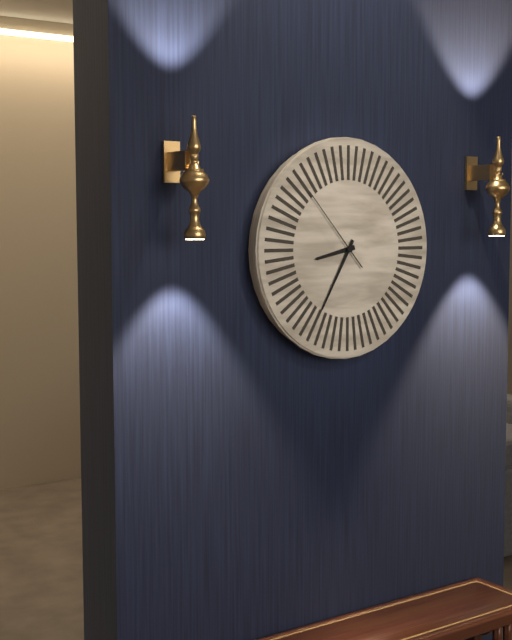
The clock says 8.35.53
